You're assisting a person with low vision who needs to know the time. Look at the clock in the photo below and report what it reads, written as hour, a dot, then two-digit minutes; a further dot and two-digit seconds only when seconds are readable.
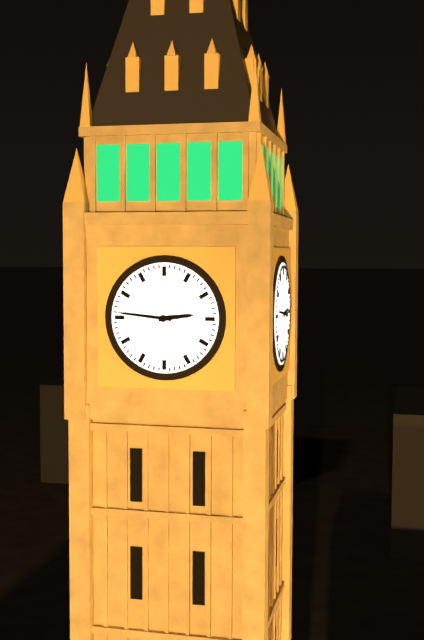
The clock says 2.46
